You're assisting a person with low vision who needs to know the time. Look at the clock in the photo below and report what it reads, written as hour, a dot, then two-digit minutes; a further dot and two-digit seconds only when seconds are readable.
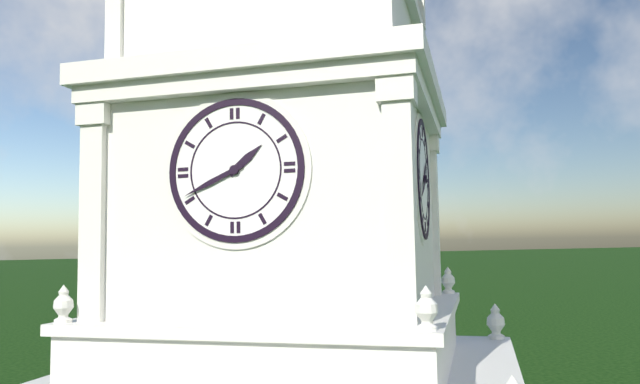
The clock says 1.41
